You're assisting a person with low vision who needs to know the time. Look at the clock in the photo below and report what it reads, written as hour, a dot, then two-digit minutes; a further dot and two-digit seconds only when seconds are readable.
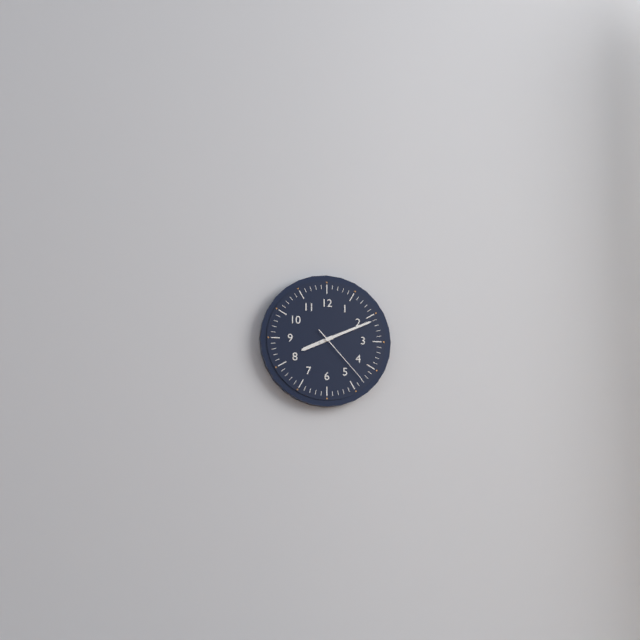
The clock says 8.11.23
